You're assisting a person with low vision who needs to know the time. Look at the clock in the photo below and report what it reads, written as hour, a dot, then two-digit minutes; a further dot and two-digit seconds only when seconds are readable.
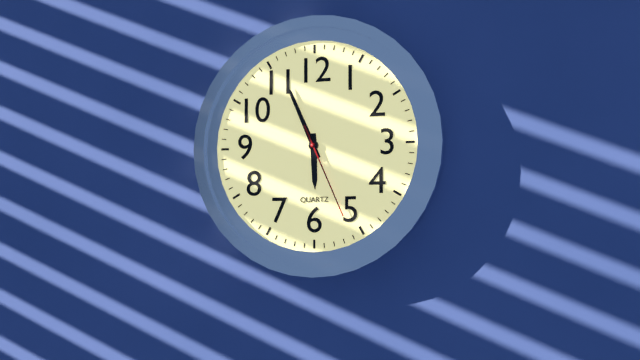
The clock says 5.56.26
